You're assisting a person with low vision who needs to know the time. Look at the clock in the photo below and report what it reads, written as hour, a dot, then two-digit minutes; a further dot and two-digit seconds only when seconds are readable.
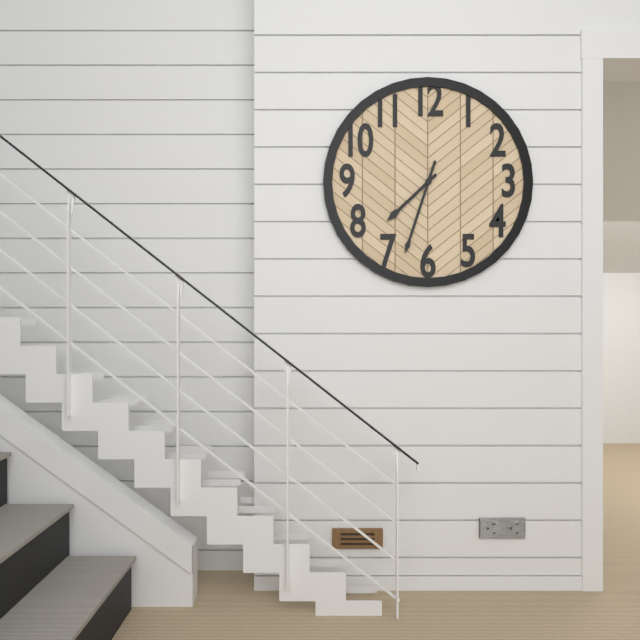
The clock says 7.33
